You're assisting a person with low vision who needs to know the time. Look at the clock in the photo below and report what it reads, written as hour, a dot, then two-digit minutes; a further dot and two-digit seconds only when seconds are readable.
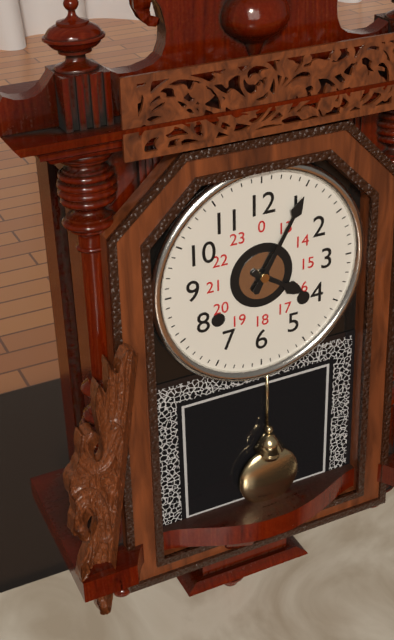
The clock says 4.05
